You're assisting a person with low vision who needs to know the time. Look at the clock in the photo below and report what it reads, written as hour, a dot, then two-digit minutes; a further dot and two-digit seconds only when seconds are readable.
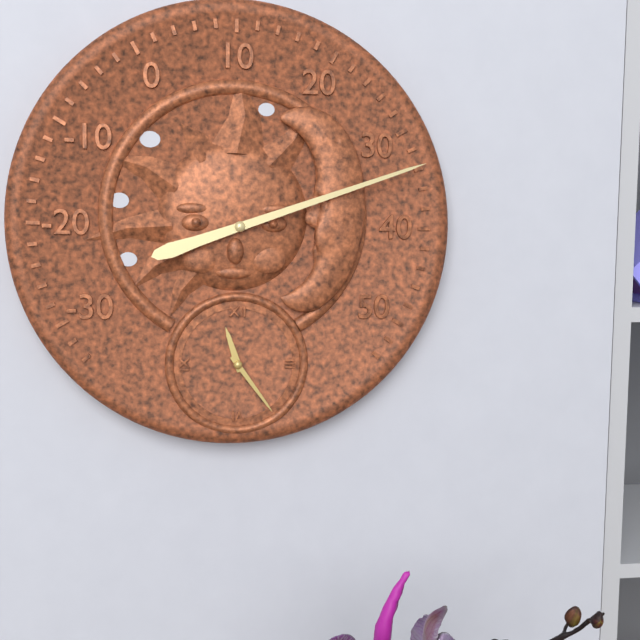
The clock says 11.24
